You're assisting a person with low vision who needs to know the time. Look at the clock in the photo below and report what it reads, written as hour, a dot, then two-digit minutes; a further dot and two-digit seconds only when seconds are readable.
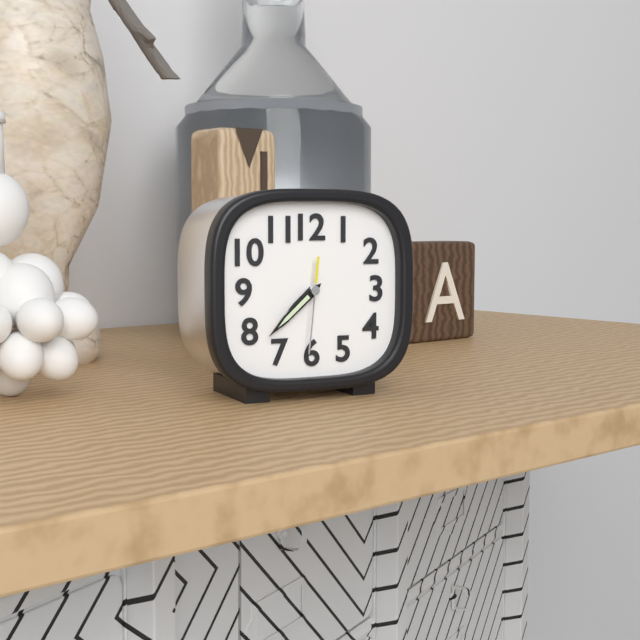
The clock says 7.38.31
